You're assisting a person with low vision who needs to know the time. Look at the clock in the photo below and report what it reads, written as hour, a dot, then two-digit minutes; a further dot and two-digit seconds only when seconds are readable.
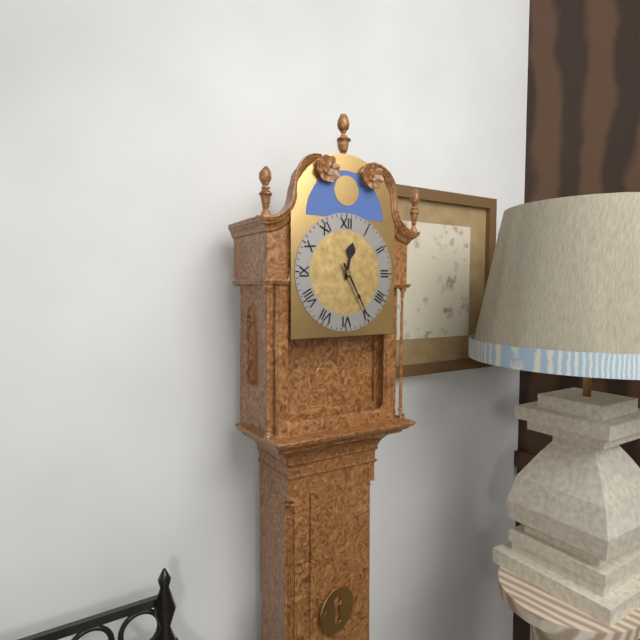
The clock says 12.25
